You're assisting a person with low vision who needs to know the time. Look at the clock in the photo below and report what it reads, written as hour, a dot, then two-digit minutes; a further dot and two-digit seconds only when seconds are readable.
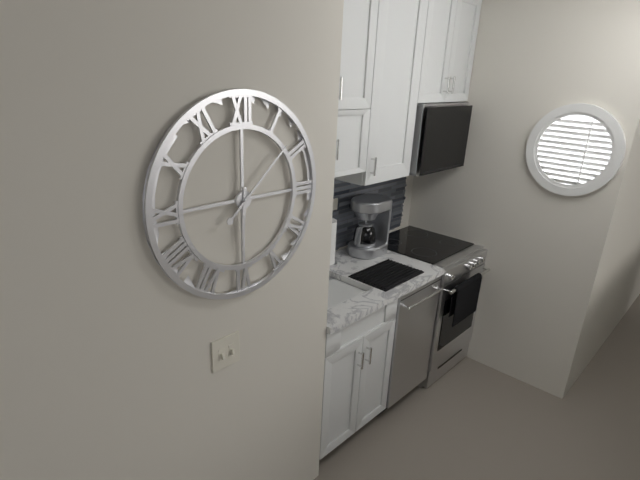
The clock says 6.08
